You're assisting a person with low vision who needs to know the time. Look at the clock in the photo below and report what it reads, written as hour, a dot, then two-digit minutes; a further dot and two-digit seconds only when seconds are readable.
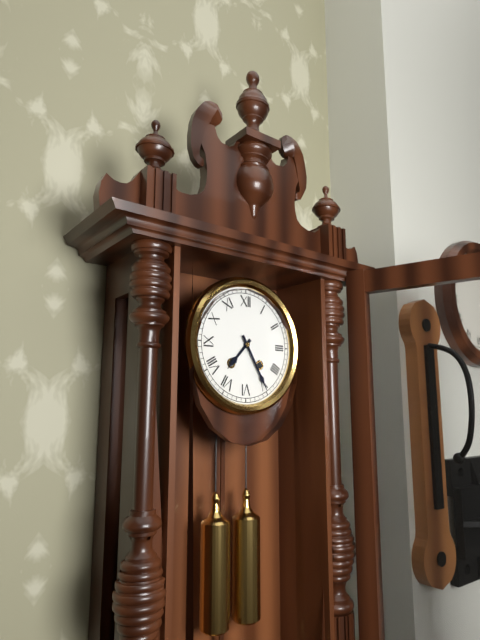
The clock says 7.25
